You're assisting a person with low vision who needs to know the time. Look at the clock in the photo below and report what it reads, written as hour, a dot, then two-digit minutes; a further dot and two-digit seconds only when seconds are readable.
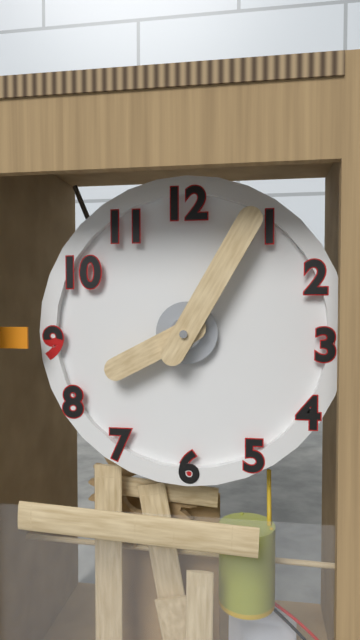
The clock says 8.05
